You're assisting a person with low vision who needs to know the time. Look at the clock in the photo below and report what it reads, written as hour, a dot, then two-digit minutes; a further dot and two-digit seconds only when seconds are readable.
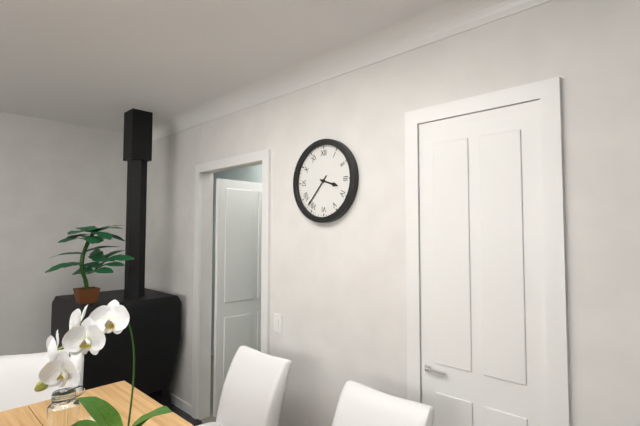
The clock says 3.37
